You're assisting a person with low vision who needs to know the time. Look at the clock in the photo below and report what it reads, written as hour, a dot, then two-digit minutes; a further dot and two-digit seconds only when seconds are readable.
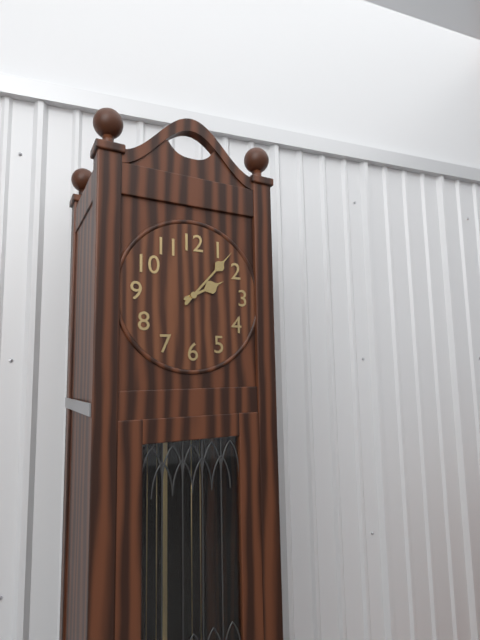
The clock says 2.07
